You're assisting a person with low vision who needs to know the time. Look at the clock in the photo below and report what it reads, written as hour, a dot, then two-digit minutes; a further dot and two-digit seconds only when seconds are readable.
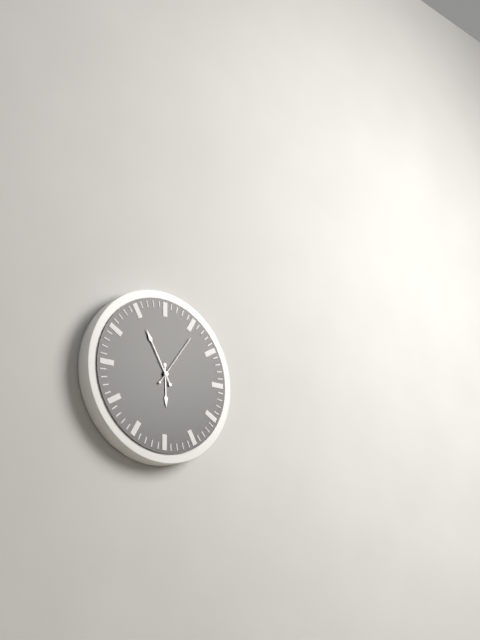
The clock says 5.55.06
